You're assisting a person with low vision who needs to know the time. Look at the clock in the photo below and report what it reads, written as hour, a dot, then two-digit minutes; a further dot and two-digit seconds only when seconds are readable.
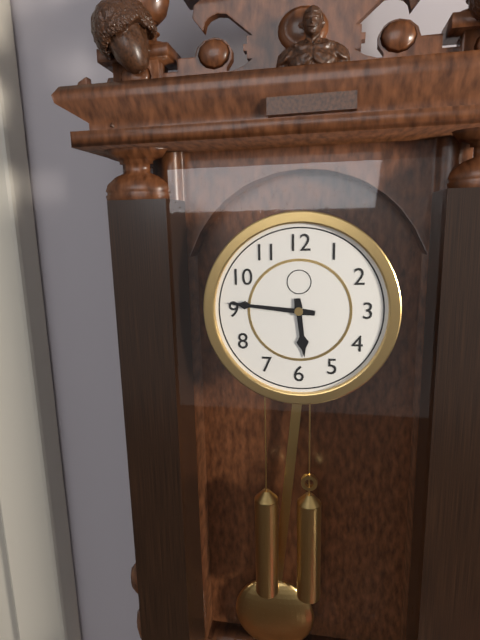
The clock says 5.46
